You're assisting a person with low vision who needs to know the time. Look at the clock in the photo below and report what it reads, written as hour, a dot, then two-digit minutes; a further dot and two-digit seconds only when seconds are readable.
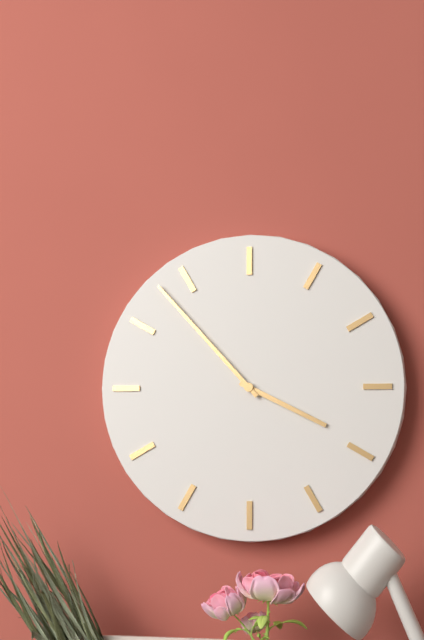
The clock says 3.53
